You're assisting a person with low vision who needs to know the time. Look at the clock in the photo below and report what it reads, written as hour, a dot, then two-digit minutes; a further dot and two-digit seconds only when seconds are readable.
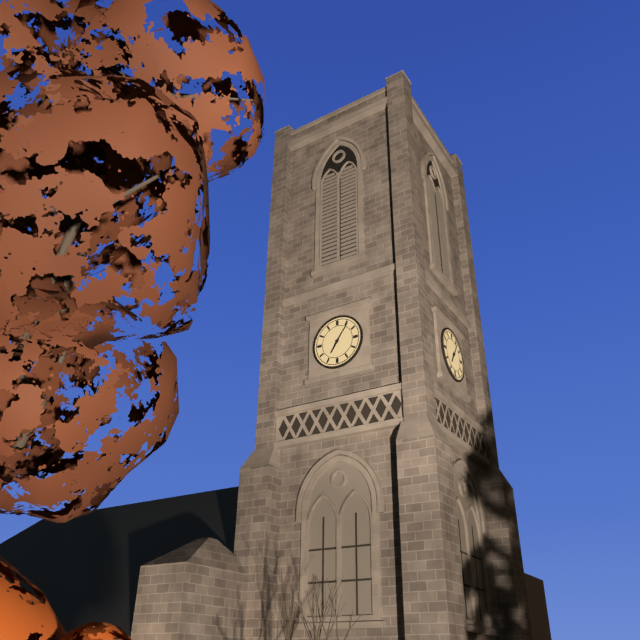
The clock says 7.06
